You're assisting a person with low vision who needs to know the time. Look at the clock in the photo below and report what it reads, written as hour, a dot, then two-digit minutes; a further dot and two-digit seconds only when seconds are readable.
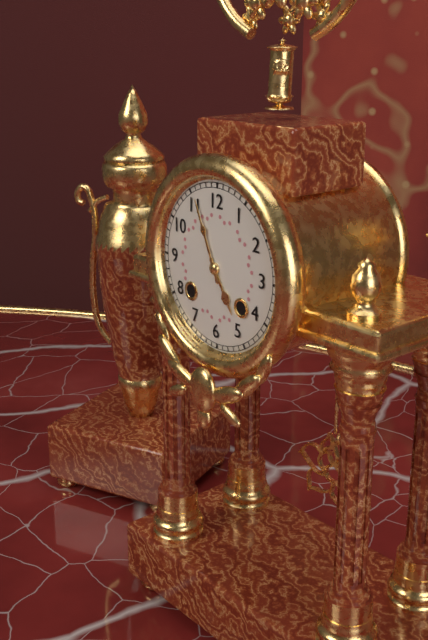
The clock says 4.56
